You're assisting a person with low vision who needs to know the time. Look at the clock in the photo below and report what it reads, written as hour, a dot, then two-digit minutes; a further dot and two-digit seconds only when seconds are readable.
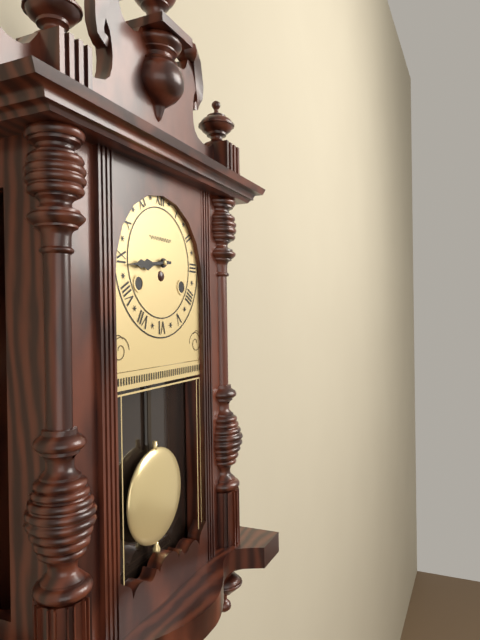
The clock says 8.44
